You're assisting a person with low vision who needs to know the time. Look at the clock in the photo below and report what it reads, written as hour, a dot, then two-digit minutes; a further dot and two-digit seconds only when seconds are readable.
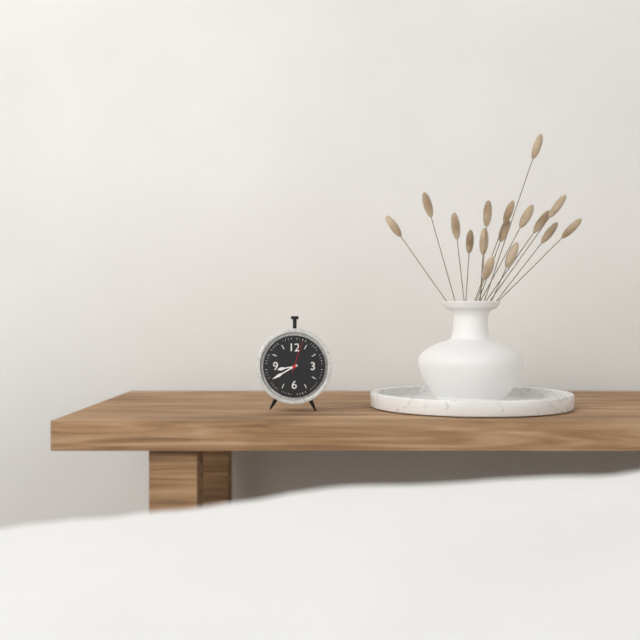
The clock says 8.40
